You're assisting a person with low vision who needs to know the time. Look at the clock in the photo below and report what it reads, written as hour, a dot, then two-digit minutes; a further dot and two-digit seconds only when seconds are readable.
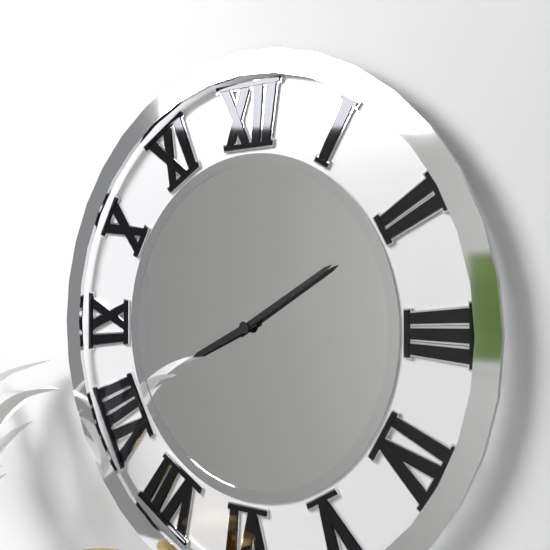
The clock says 8.10
